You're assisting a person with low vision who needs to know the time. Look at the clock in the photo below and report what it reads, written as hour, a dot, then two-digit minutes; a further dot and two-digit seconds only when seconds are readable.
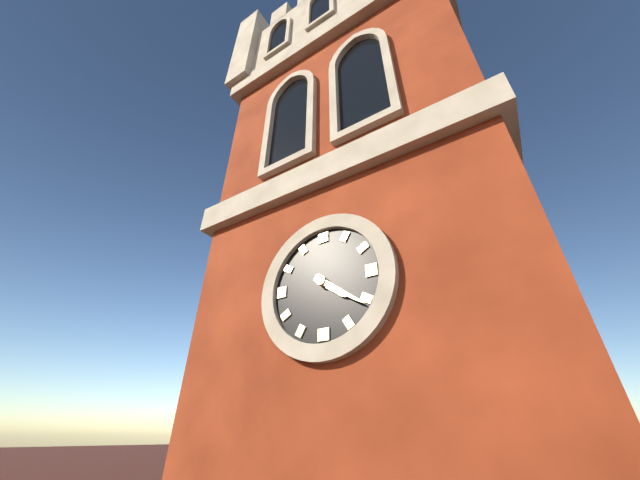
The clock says 4.21
